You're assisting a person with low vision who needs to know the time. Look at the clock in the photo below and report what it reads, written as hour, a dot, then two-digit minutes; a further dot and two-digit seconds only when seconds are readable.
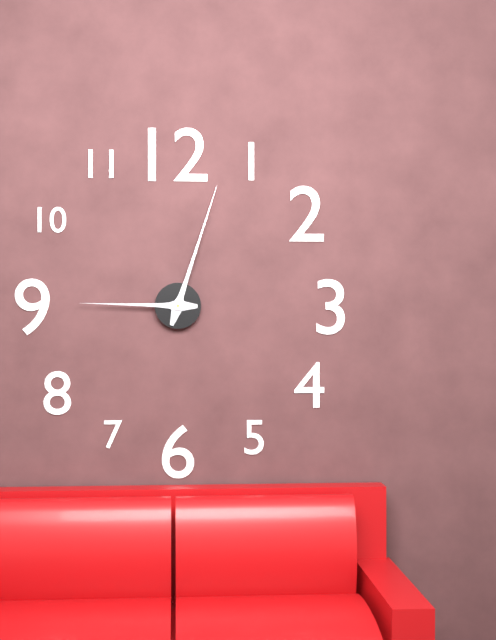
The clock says 9.03
